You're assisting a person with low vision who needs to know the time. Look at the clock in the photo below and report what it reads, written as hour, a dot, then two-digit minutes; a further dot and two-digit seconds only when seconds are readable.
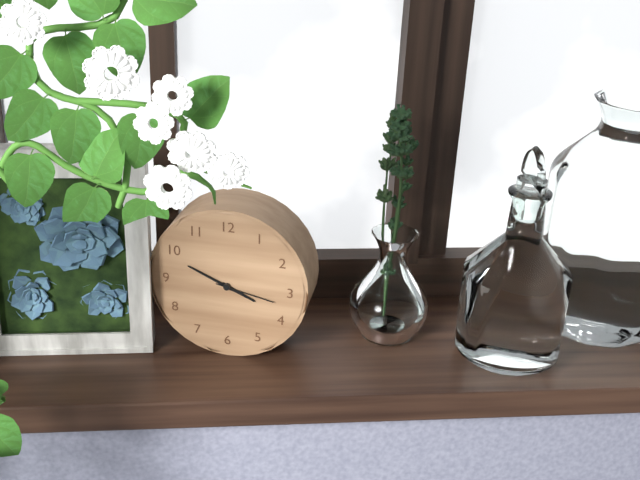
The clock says 3.49.17
